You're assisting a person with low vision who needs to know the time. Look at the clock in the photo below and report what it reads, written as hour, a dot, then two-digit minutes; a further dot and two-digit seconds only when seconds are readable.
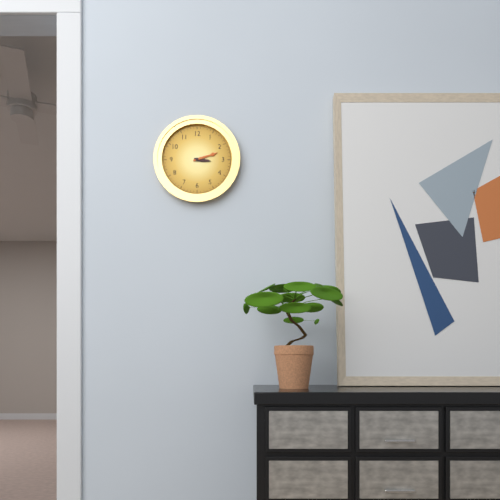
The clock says 3.12
